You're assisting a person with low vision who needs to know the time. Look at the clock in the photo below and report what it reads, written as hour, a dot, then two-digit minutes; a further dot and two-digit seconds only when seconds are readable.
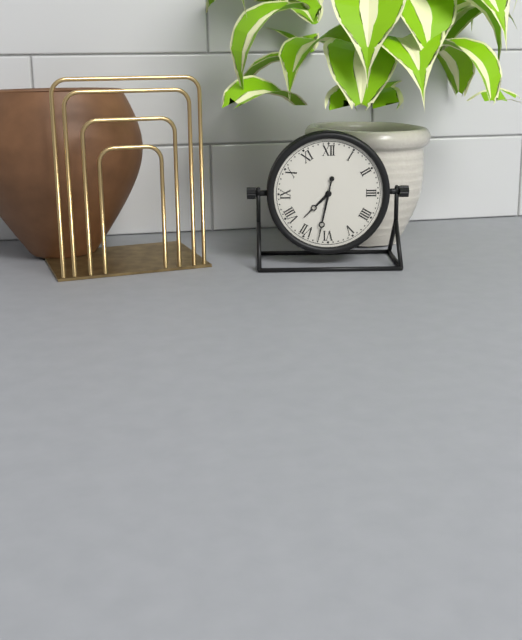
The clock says 7.32
